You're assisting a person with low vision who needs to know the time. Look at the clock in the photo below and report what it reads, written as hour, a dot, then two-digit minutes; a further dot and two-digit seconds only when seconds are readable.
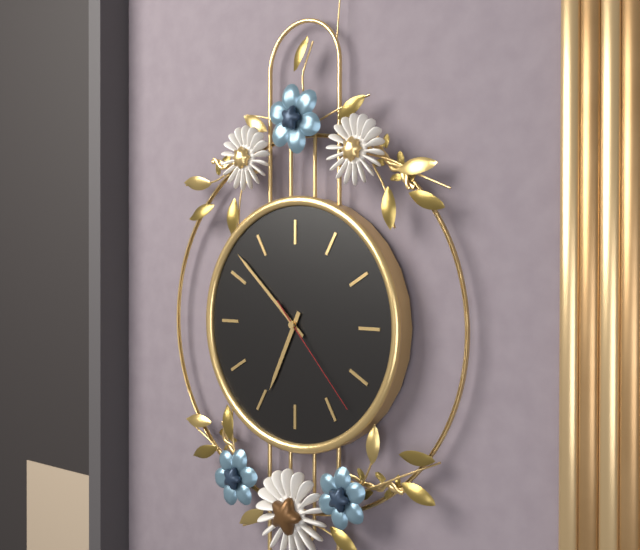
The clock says 6.52.23
